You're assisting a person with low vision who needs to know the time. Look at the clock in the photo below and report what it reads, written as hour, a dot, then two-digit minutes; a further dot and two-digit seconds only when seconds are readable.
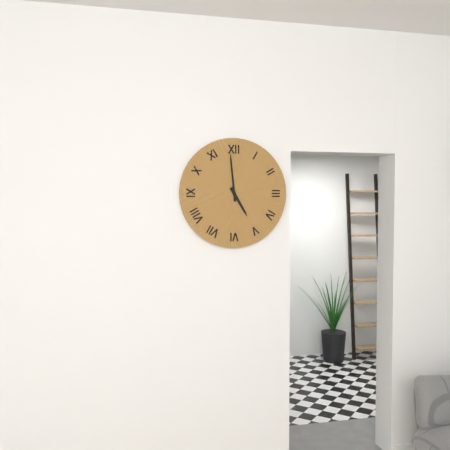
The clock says 4.59
